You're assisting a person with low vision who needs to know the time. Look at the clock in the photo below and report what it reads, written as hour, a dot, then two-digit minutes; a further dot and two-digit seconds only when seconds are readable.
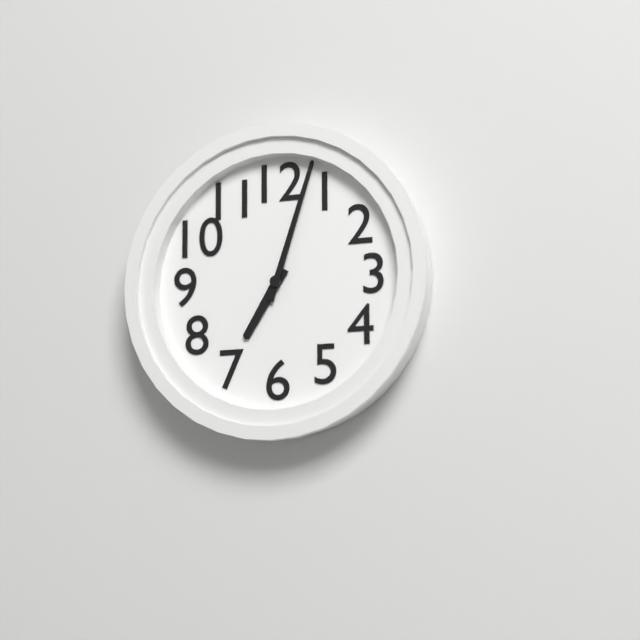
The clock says 7.03
